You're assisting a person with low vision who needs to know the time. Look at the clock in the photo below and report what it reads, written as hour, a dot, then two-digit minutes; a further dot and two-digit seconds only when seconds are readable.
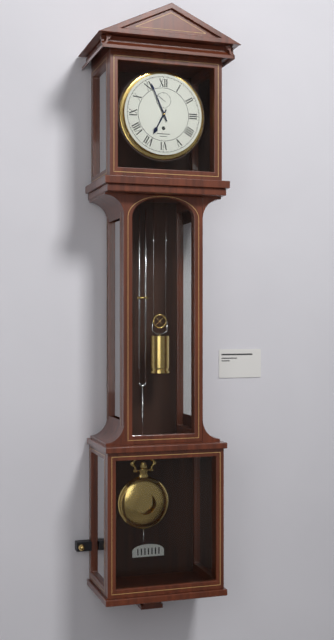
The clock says 6.56
